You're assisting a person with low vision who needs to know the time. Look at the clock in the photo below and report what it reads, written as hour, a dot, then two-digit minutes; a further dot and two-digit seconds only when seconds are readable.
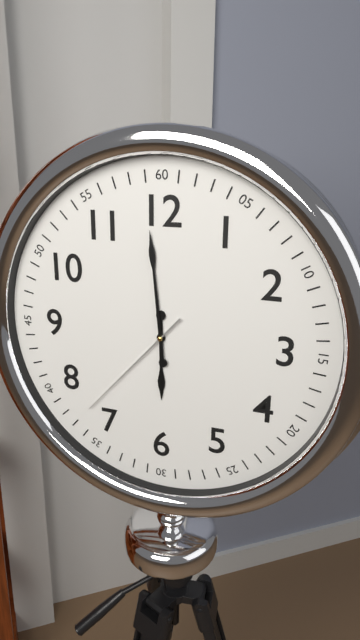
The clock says 5.59.37
